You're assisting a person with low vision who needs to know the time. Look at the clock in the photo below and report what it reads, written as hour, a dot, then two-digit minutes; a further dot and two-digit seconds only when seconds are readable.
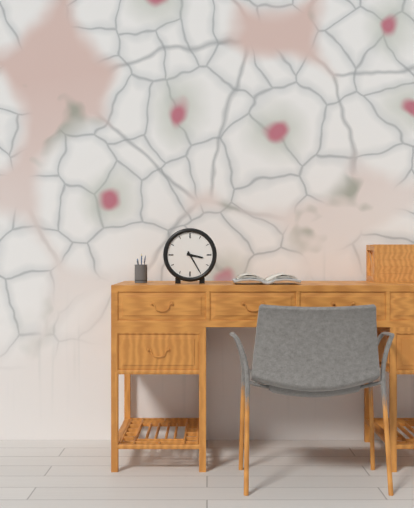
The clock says 3.25
